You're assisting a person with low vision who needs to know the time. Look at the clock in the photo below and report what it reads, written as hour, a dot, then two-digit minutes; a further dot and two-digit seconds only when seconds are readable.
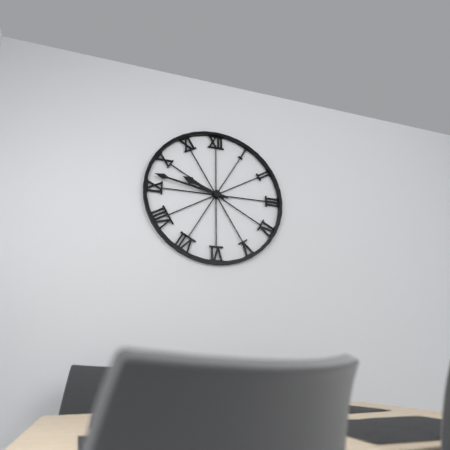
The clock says 9.47
